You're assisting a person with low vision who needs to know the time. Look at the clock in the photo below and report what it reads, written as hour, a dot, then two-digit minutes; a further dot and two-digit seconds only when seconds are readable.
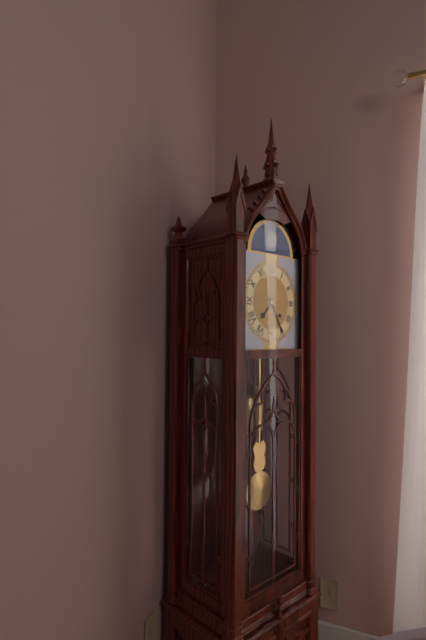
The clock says 7.25
